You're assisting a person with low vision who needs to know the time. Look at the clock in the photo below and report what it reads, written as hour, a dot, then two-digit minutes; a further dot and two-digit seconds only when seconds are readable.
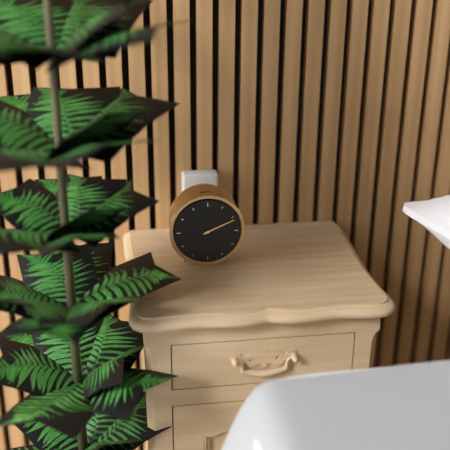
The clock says 2.11
